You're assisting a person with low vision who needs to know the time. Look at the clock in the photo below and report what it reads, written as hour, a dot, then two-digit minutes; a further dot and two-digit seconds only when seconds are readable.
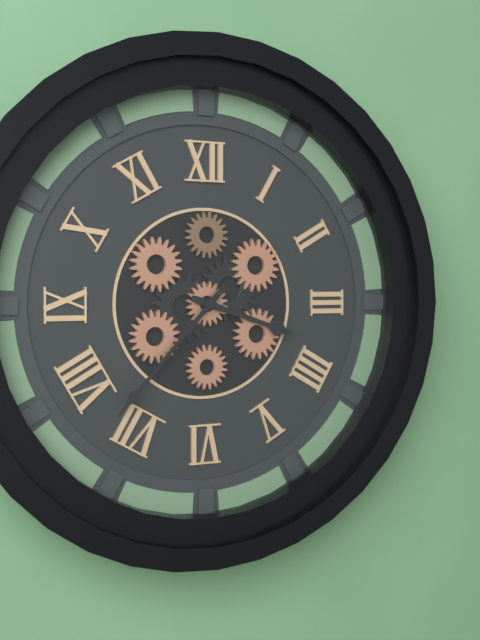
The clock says 3.37
